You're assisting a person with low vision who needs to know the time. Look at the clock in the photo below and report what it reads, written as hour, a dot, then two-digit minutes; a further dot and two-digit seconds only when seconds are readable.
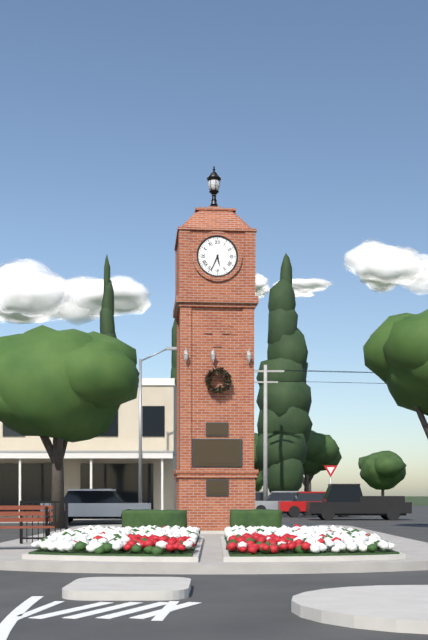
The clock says 5.34
